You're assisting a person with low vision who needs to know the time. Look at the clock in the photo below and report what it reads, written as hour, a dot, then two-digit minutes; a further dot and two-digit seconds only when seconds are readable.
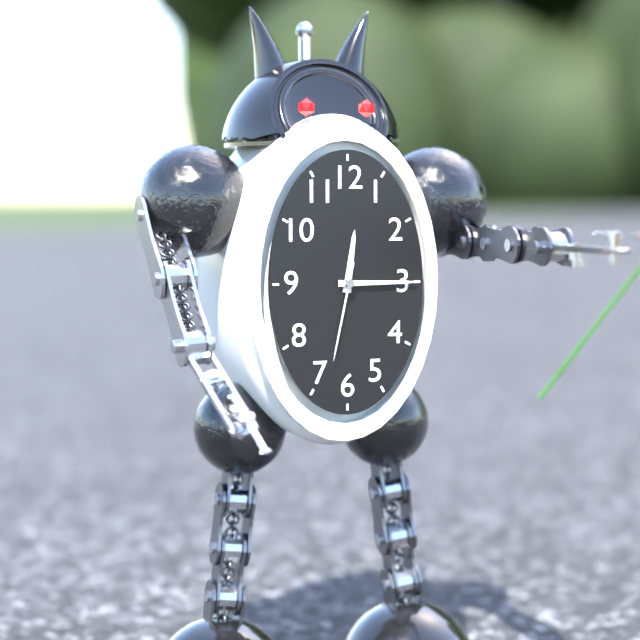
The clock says 12.15.32
